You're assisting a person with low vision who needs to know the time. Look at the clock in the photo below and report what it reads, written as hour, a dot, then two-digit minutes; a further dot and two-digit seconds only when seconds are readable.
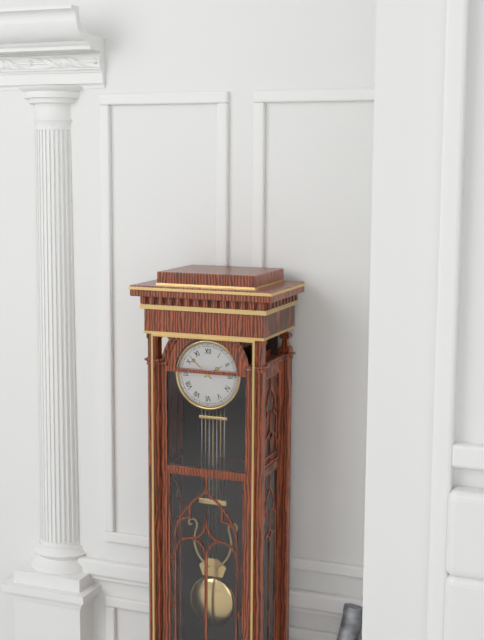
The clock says 1.52
